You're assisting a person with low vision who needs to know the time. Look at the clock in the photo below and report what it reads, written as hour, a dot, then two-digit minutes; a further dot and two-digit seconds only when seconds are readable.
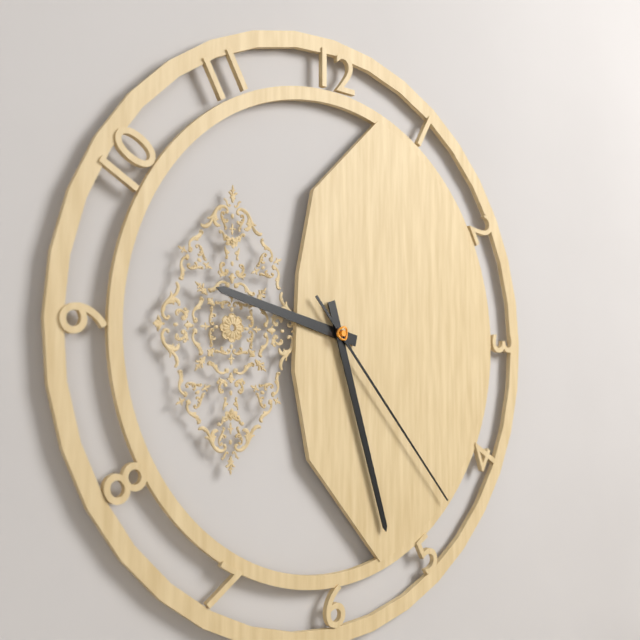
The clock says 9.27.23
